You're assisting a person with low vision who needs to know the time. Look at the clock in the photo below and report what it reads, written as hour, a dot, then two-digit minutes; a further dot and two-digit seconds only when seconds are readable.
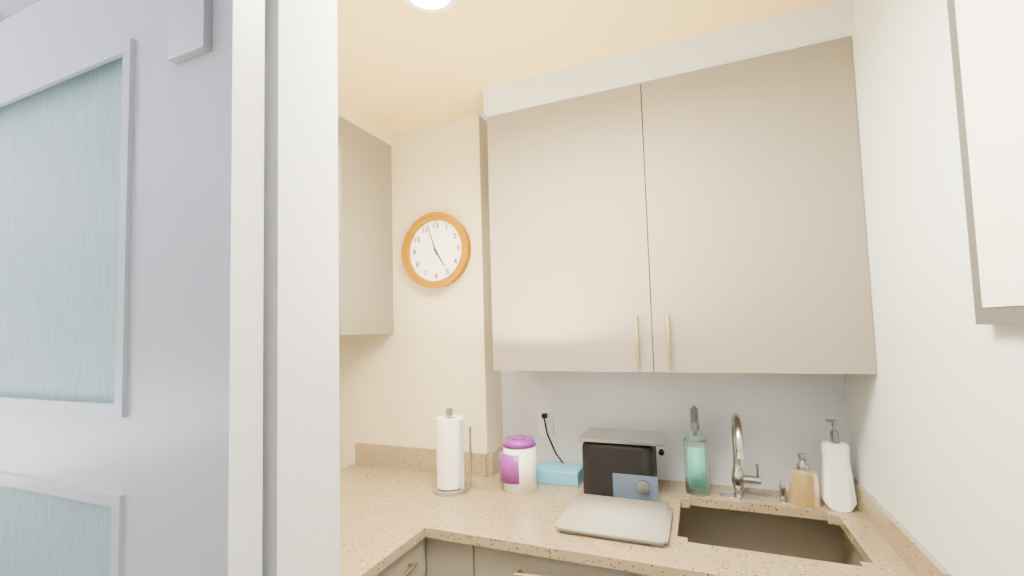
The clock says 4.57
